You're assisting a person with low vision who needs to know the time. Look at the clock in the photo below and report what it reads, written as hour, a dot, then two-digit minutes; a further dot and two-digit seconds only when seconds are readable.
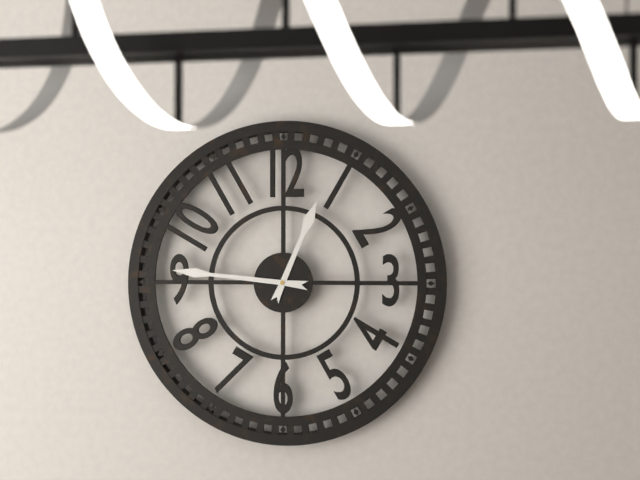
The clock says 12.46
